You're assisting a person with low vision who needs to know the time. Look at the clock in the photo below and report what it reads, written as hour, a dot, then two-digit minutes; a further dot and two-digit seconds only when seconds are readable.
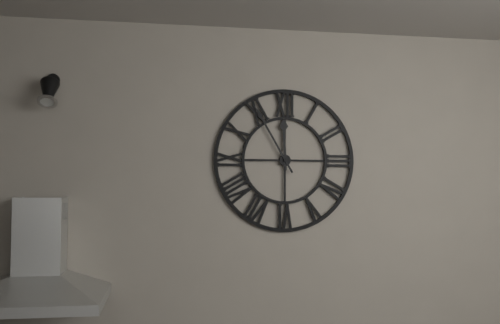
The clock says 11.55
